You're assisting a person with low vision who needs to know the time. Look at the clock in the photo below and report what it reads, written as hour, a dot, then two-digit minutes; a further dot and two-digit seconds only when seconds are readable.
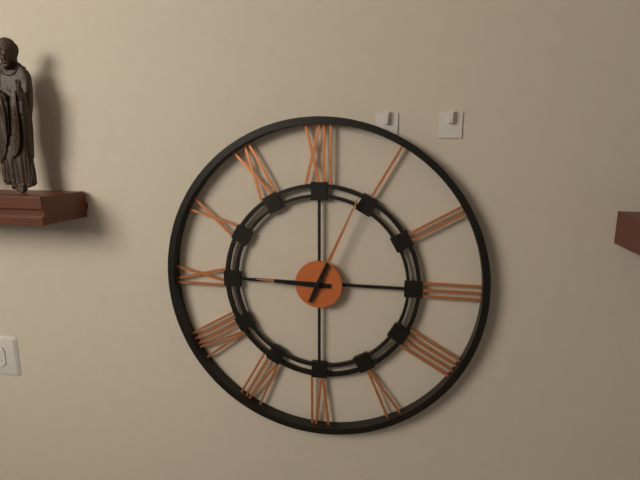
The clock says 9.04
